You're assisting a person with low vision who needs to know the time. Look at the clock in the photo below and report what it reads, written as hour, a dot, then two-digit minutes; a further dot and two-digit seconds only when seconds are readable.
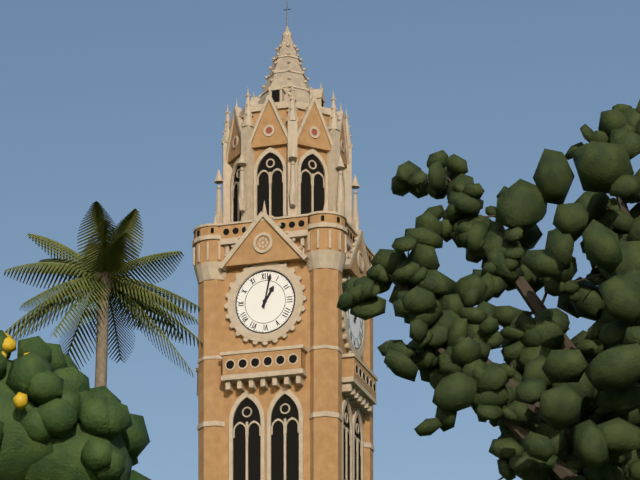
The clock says 1.02
